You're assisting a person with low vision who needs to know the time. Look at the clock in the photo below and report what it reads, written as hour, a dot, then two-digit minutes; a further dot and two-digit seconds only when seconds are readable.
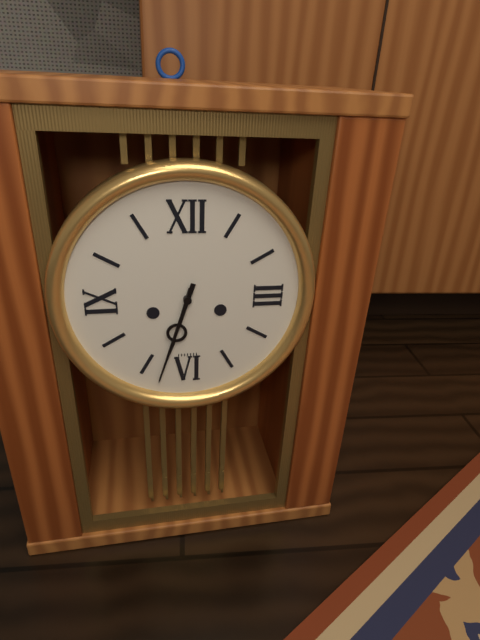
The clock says 6.33
